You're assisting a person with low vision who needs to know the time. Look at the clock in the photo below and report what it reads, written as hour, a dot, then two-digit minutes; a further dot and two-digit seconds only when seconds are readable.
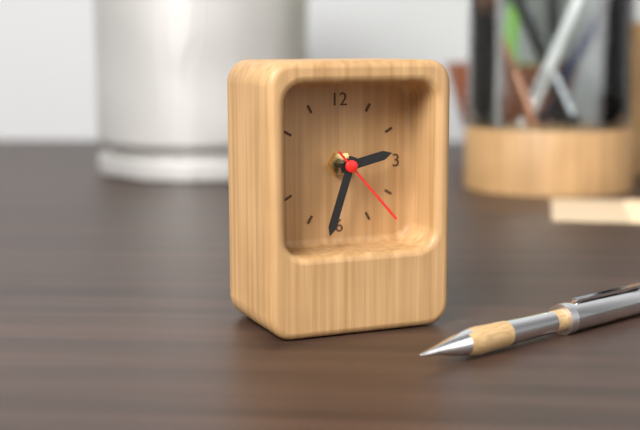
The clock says 2.33.23
